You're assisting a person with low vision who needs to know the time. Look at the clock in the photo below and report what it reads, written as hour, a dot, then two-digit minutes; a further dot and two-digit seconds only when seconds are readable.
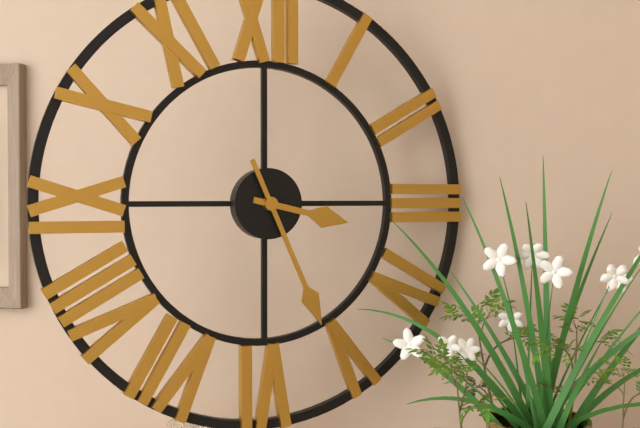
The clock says 3.26
